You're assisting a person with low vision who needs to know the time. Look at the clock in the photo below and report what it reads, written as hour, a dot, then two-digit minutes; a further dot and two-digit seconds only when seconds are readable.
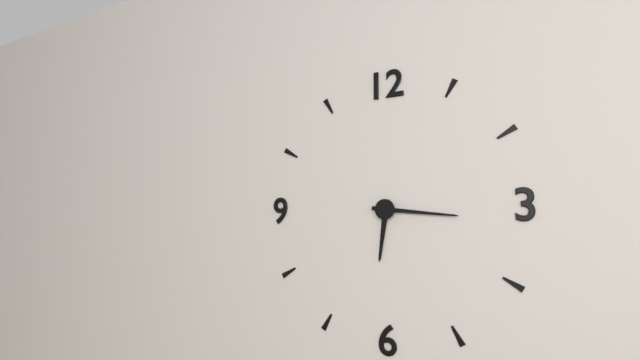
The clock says 6.16
